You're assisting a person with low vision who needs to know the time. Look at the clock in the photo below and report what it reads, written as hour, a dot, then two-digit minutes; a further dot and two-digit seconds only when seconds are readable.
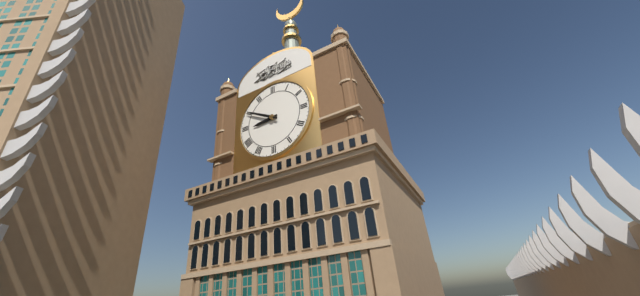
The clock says 8.50
